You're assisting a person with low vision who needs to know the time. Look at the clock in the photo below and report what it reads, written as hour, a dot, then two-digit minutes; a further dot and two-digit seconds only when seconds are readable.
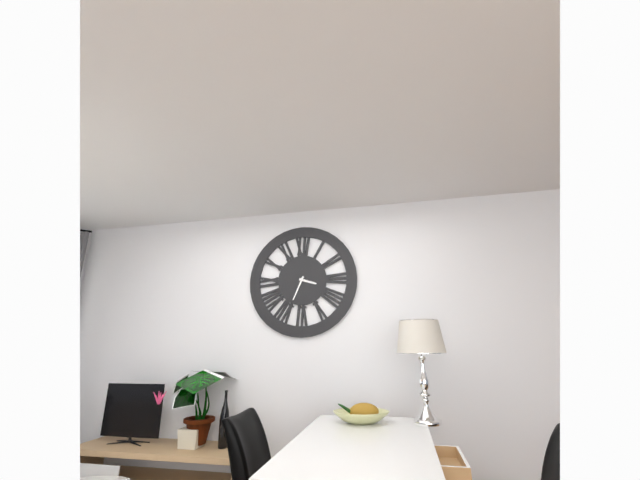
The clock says 3.34
